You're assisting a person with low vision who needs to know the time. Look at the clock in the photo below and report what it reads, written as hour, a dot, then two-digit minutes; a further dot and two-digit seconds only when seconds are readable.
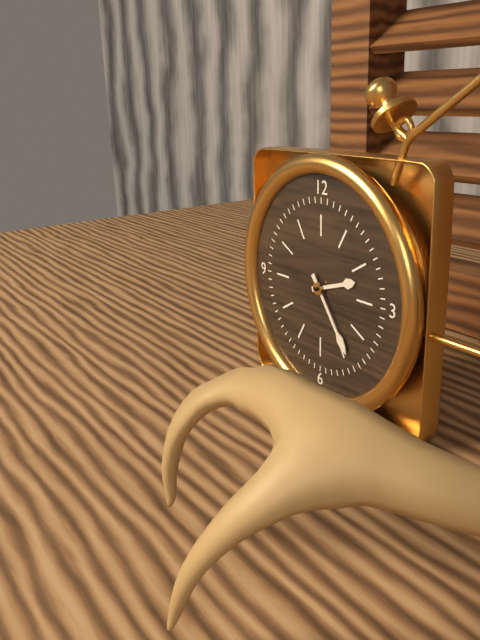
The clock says 2.24
